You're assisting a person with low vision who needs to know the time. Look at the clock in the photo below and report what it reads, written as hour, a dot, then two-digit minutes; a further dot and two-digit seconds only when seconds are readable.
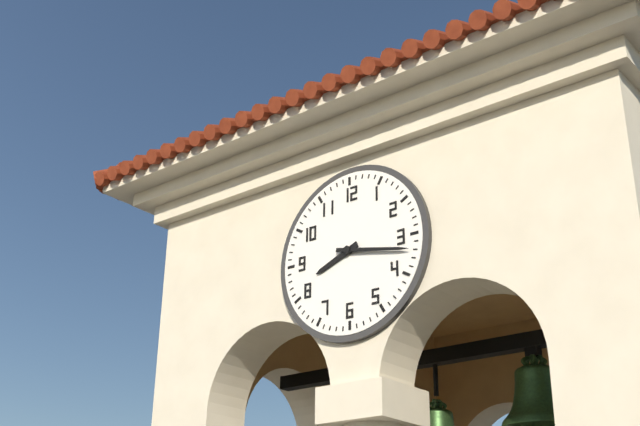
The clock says 8.17
